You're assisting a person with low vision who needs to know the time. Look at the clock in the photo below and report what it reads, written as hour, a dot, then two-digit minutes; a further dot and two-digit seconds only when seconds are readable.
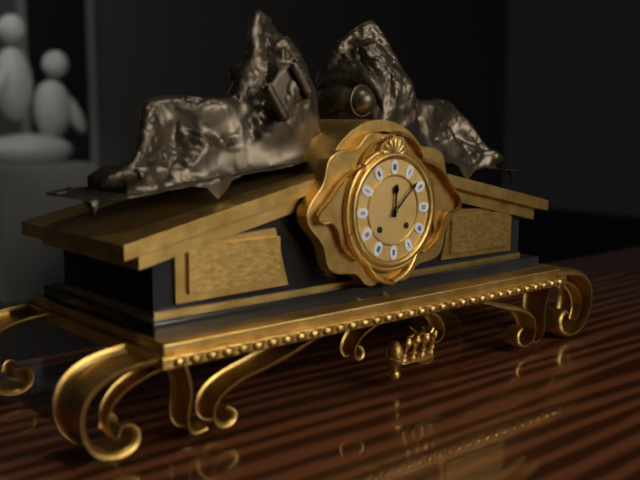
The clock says 12.08
